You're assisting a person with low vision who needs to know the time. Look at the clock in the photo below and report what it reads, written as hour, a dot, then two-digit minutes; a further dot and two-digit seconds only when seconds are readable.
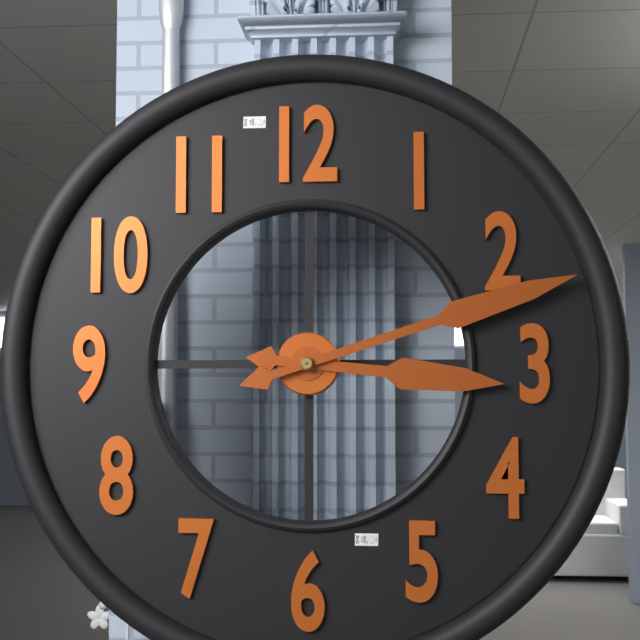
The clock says 3.12
